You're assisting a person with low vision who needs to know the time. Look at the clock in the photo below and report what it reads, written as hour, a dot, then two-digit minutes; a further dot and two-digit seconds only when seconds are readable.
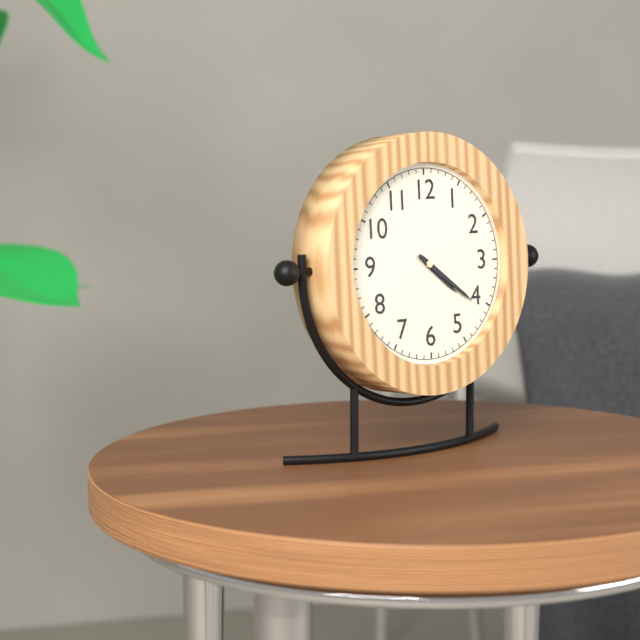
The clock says 4.21
